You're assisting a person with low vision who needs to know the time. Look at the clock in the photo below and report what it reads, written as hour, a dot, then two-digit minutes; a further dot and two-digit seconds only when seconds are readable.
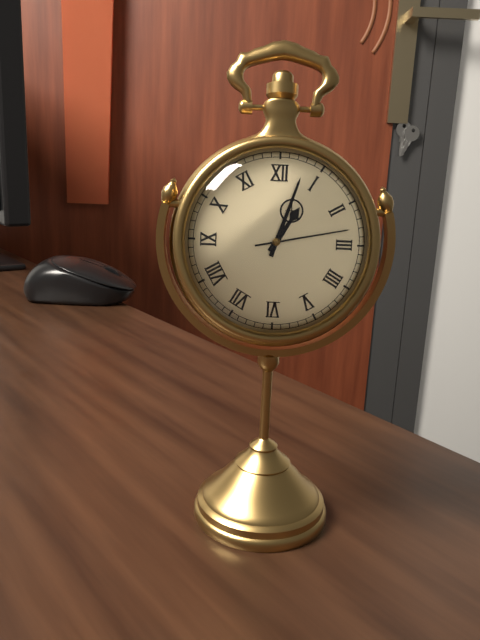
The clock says 1.03.13
